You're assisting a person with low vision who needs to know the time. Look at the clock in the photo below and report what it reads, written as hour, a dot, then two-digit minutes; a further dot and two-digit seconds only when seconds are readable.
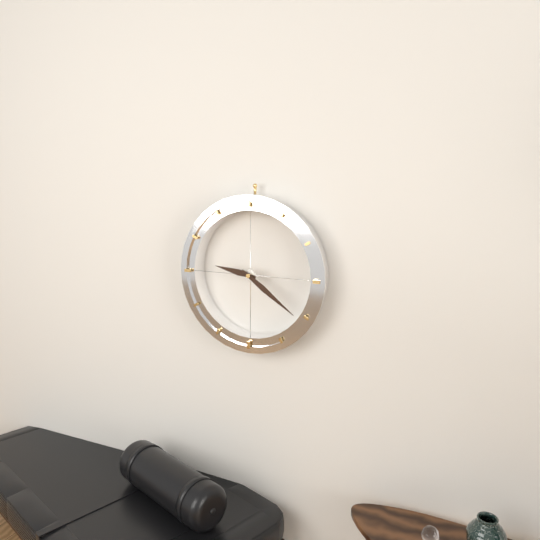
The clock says 9.21
